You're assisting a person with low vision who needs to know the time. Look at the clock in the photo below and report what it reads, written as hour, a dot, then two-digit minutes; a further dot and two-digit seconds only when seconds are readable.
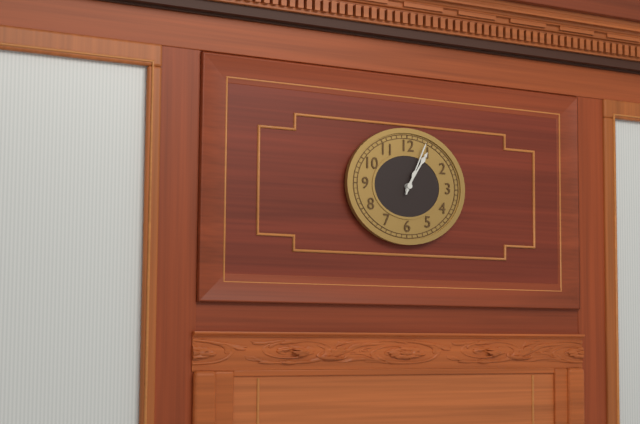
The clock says 1.04
